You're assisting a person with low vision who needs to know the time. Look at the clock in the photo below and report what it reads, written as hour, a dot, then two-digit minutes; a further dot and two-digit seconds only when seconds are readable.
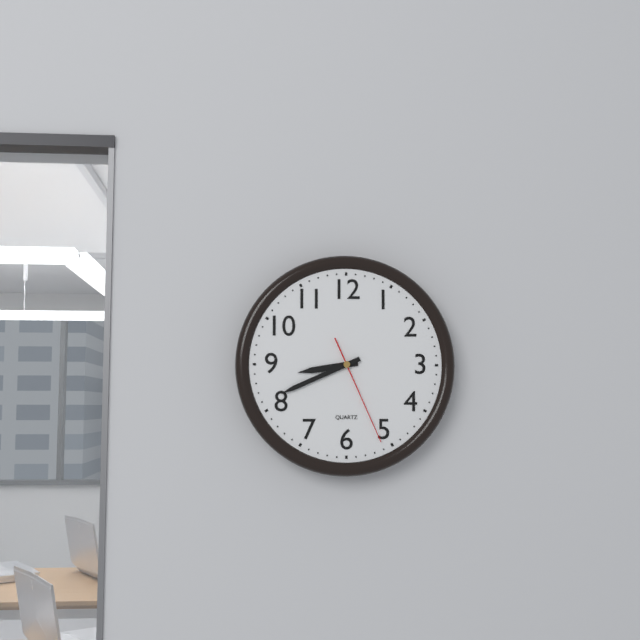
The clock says 8.41.26
